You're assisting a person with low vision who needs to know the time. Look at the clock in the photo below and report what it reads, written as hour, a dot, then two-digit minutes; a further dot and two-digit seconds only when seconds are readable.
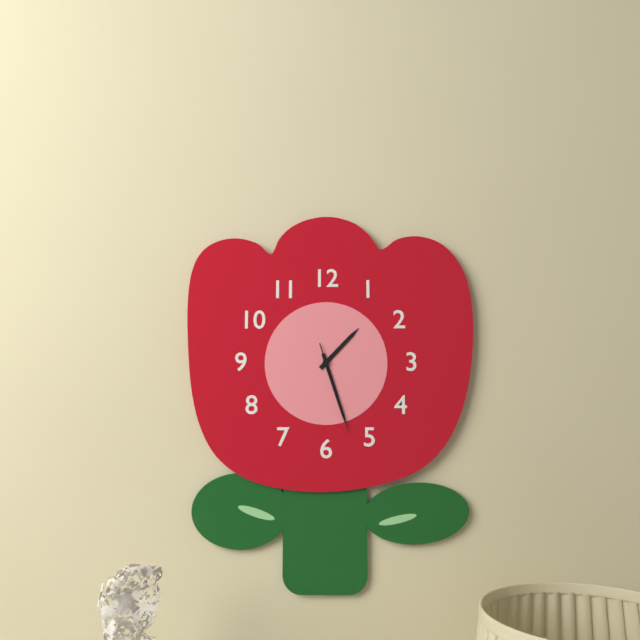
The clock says 1.27.27
